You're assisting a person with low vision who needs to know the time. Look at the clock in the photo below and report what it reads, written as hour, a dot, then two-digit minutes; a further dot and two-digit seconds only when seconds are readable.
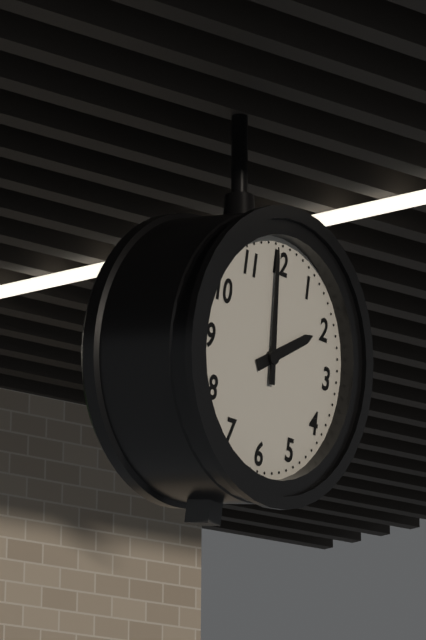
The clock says 1.59
